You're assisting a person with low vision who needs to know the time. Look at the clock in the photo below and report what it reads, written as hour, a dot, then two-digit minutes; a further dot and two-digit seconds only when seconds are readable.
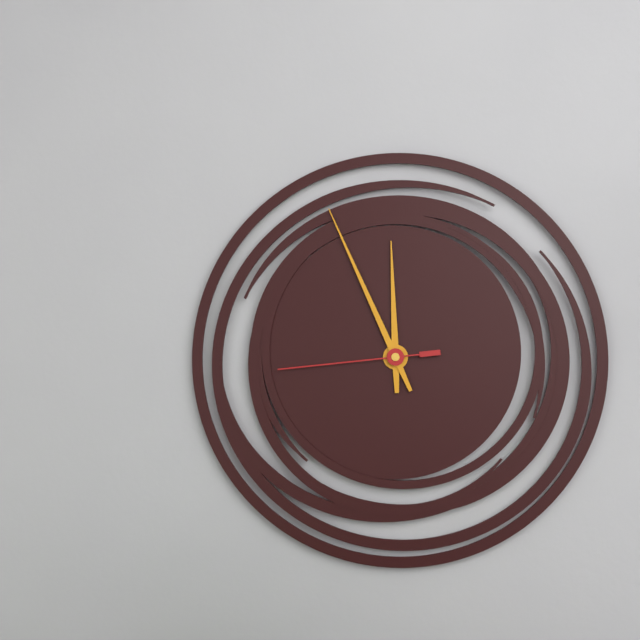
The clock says 11.56.44
